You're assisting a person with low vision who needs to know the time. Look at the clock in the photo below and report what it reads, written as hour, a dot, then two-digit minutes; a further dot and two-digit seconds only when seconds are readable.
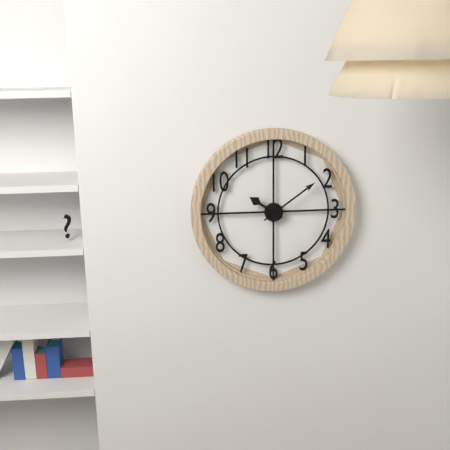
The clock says 10.09
